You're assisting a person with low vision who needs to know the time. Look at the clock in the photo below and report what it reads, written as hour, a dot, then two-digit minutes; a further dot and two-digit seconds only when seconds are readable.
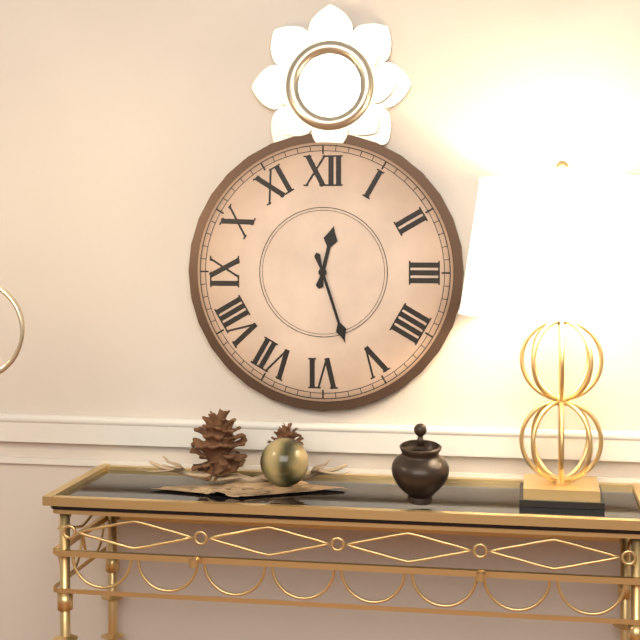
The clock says 12.27
